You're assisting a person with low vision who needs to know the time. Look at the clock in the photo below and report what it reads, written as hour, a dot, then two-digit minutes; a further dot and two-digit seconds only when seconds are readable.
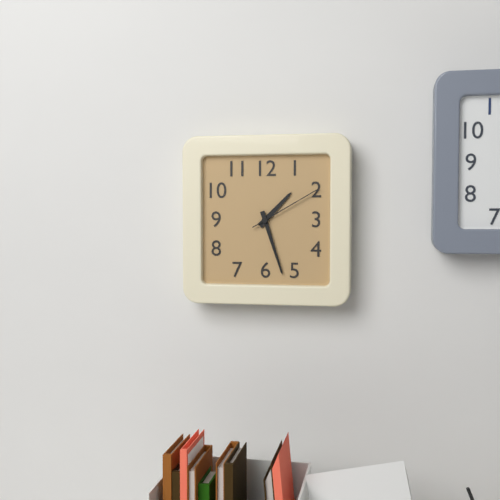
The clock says 1.27.10
